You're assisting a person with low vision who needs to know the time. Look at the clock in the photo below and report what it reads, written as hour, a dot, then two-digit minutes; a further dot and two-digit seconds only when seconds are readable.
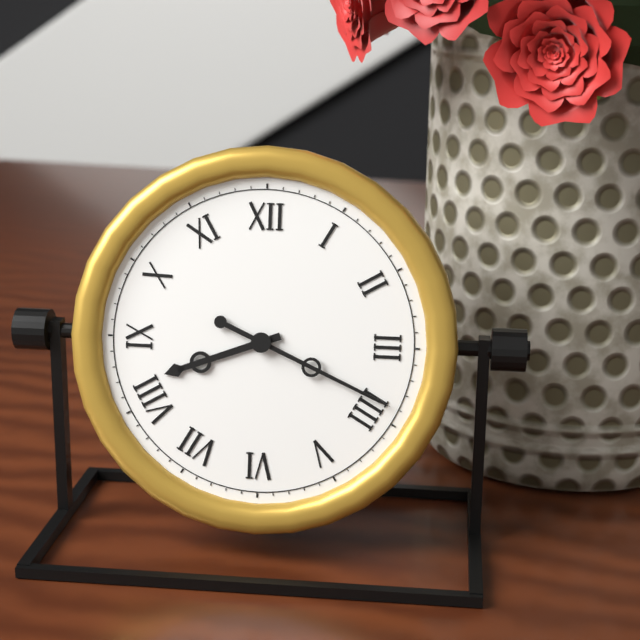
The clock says 8.19
